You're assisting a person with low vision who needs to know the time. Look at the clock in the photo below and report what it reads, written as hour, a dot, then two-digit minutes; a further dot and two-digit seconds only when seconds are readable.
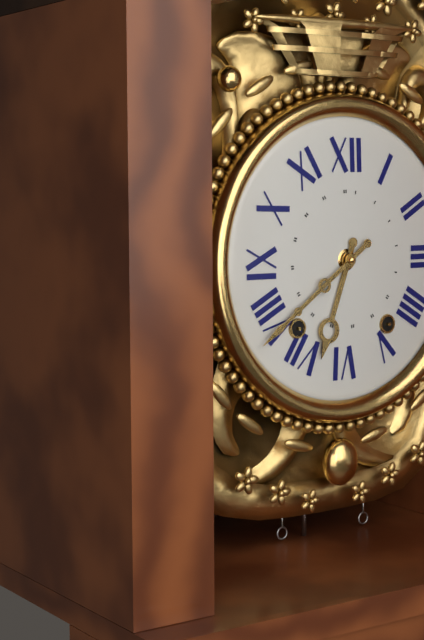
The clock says 6.39
